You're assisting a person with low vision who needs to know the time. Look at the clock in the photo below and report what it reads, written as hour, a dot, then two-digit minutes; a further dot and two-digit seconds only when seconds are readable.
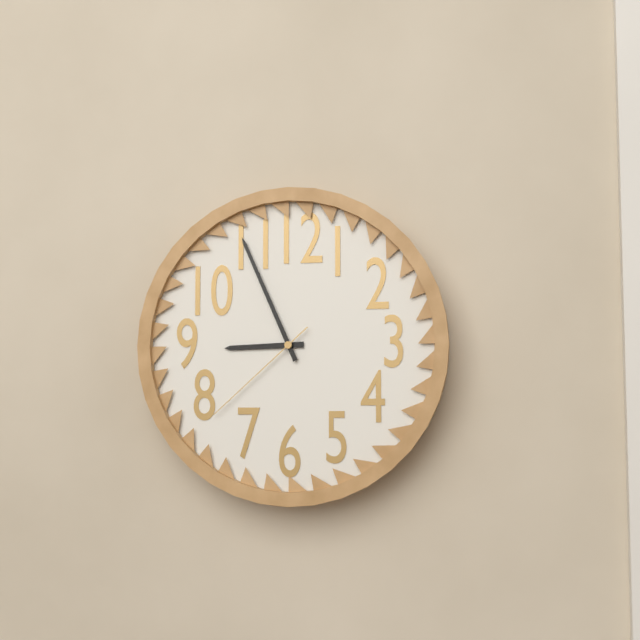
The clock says 8.56.38
